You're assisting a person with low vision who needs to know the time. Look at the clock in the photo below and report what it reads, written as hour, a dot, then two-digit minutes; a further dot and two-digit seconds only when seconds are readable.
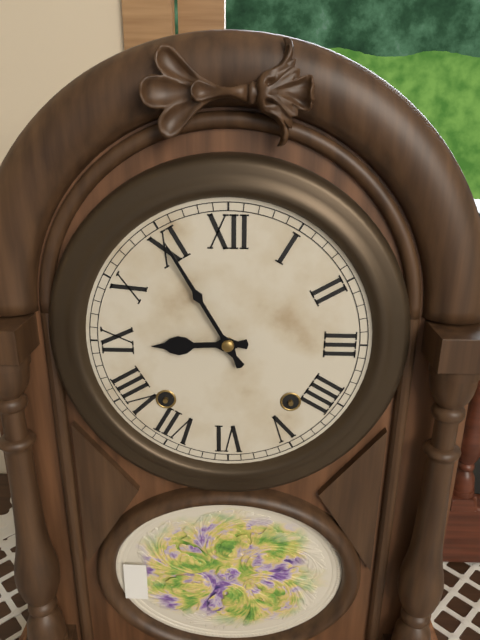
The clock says 8.55
